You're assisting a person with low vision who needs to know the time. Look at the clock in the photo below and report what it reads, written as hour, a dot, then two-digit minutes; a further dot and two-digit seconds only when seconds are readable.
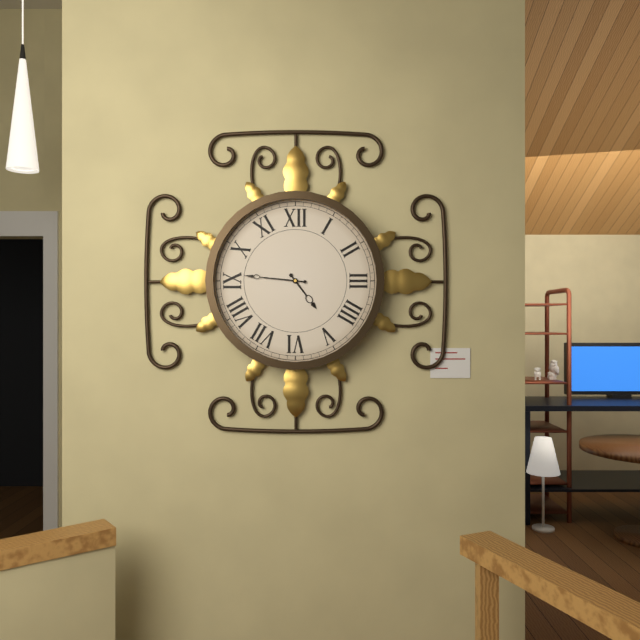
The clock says 4.46
